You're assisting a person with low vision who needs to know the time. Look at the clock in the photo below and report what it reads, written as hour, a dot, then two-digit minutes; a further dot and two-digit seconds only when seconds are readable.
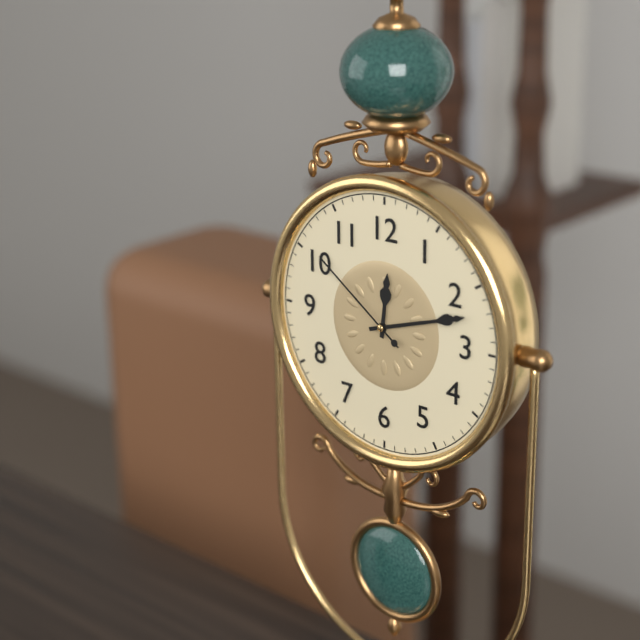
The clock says 12.12.51
